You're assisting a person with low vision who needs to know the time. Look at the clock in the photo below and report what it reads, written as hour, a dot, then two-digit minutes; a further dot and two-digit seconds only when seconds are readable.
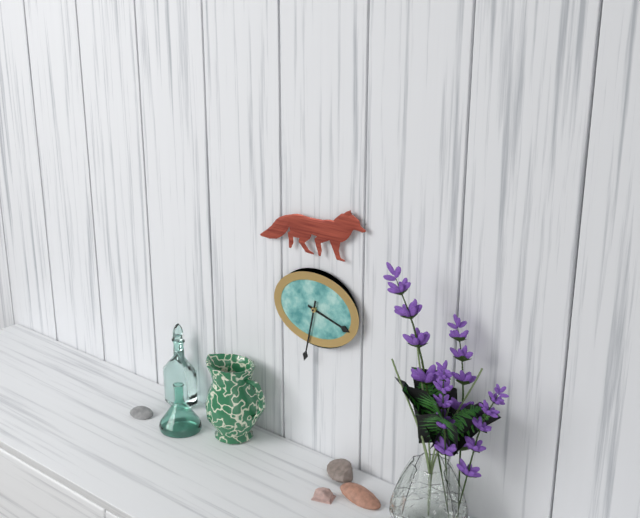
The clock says 3.32
